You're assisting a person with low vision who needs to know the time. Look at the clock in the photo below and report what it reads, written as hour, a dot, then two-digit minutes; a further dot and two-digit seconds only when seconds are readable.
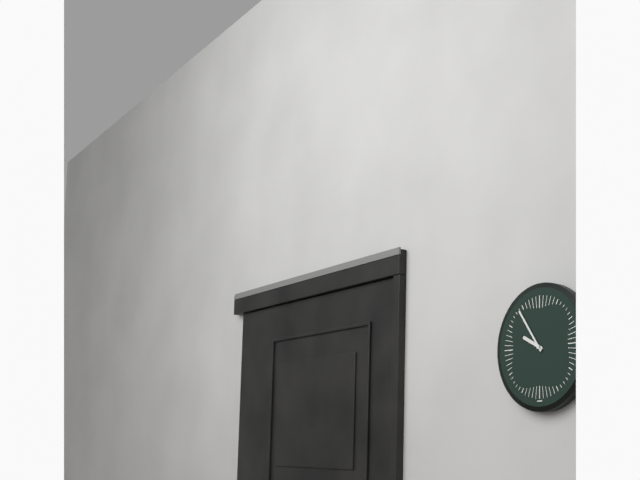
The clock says 9.54
